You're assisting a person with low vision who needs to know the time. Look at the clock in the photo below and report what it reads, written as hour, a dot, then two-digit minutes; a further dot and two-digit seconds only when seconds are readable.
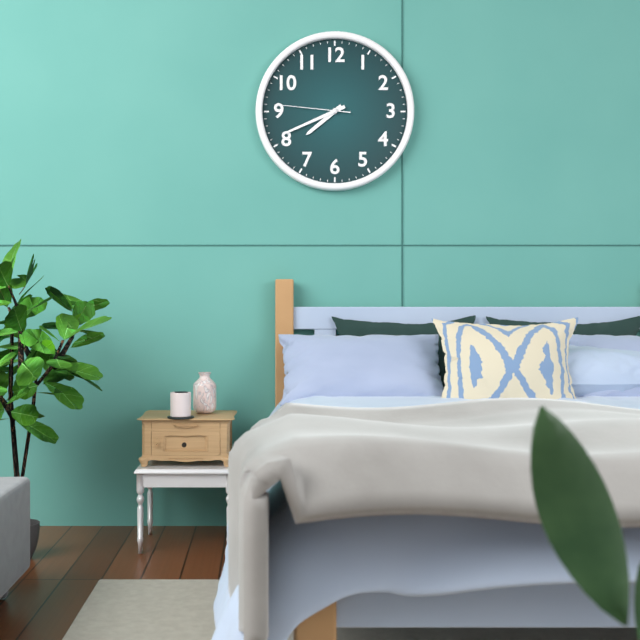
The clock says 7.41.46
